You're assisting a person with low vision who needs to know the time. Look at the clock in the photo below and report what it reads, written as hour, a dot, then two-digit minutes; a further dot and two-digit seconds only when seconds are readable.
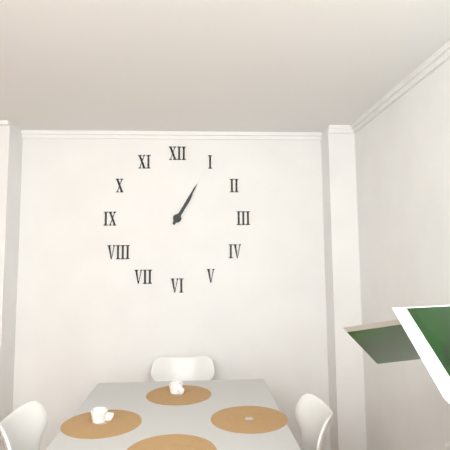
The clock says 1.05
